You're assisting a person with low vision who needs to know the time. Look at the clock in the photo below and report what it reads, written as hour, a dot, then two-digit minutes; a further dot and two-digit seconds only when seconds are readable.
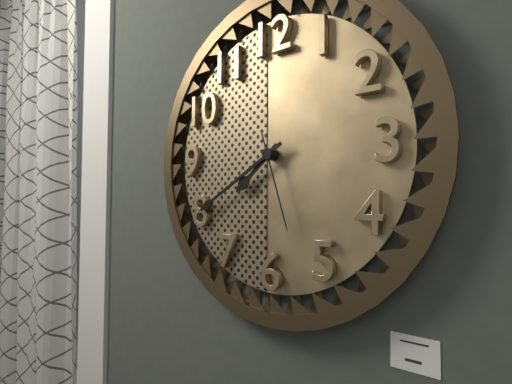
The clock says 7.40.27
